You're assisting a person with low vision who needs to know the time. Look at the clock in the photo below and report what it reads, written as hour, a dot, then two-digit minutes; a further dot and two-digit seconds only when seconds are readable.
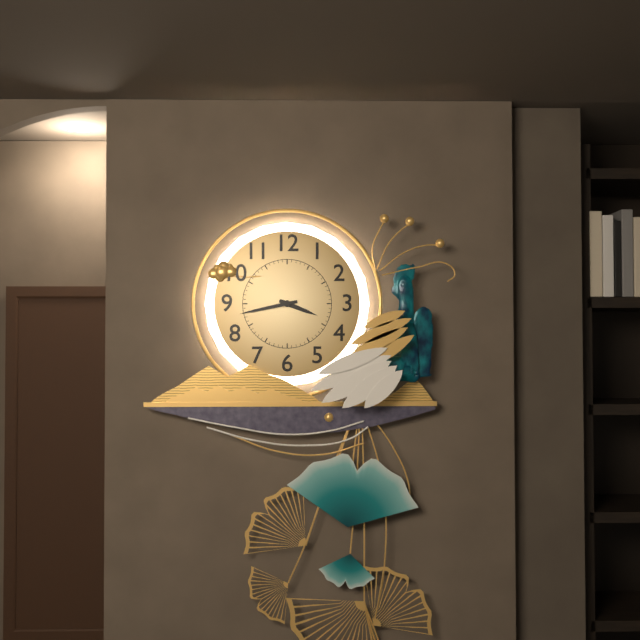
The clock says 3.43
